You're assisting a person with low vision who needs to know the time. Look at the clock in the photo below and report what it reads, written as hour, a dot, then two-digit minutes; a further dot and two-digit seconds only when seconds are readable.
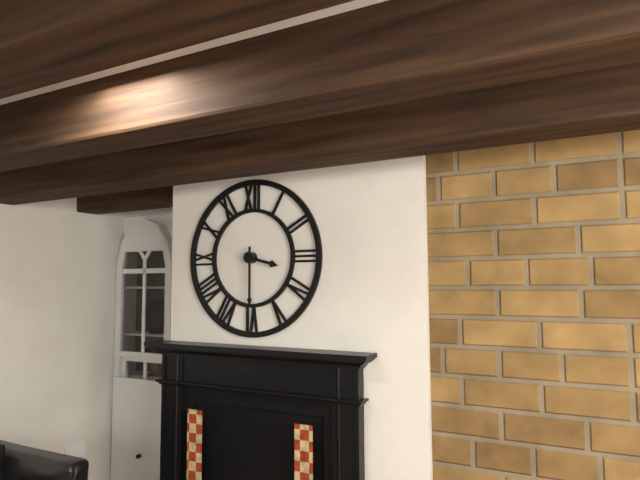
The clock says 3.30
